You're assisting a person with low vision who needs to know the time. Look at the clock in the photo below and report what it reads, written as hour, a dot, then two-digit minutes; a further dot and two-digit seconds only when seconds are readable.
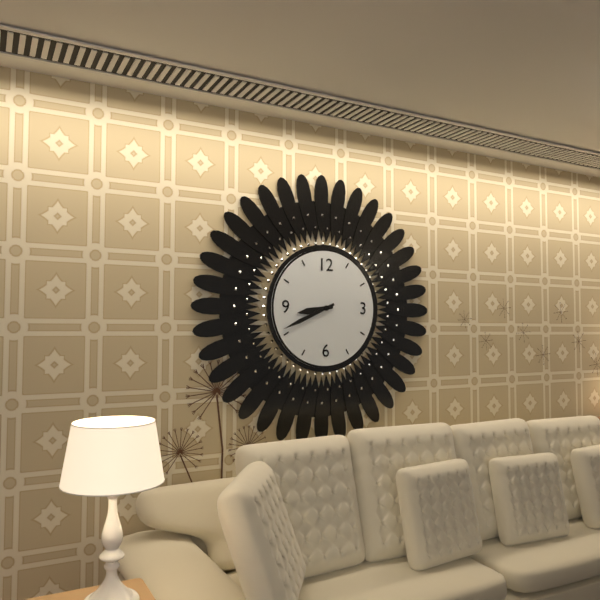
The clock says 8.41
